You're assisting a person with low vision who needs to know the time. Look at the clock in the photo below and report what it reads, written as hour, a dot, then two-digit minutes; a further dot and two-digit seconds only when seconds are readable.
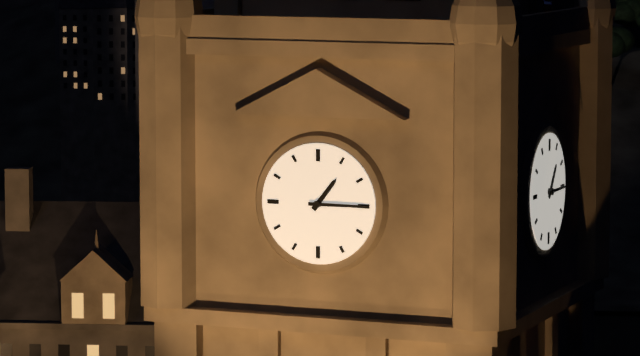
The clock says 1.15
